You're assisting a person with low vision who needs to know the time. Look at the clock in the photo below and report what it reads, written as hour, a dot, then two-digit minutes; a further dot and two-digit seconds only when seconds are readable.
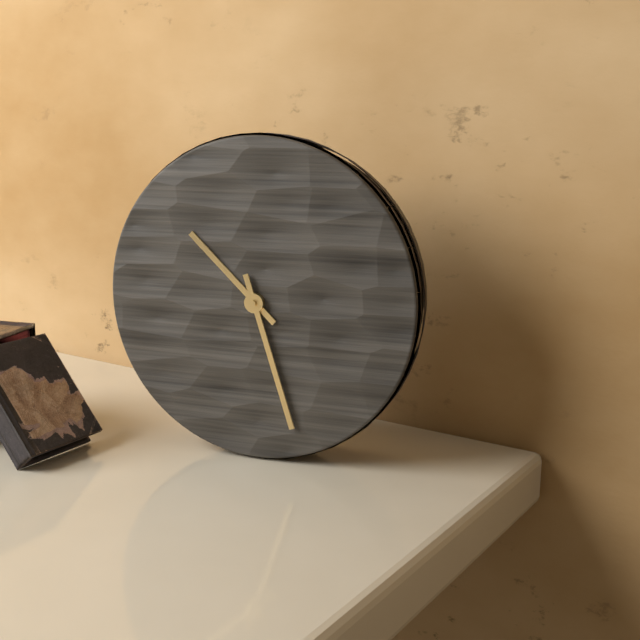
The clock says 10.27
